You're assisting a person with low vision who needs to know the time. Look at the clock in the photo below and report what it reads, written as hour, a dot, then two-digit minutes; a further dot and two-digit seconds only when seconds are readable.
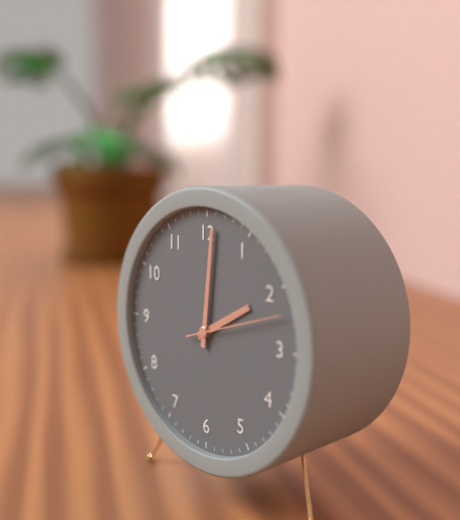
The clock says 2.01.12
